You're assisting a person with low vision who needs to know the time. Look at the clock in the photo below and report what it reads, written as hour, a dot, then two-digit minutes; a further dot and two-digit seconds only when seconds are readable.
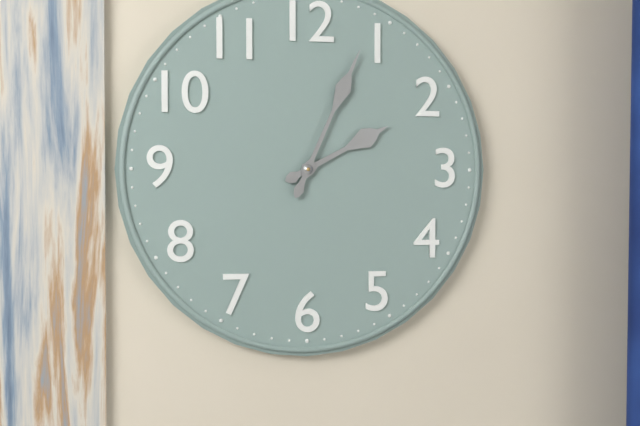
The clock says 2.04
